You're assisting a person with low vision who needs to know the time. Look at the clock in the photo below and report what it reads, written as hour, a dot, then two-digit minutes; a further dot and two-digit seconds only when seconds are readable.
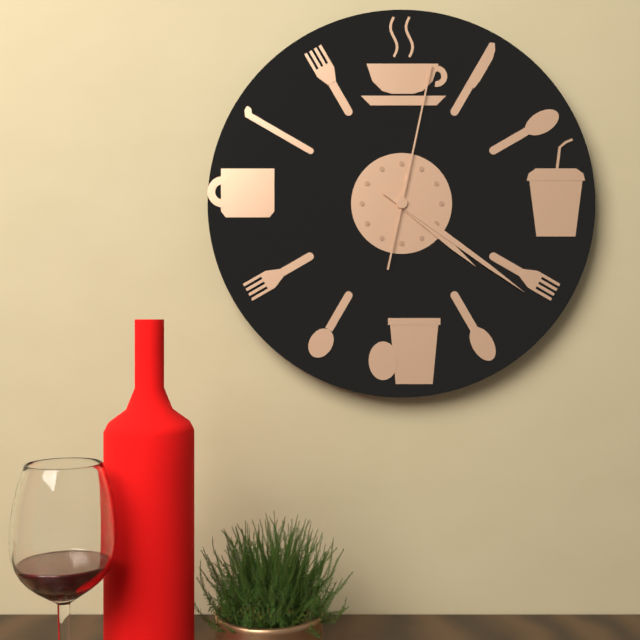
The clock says 4.21.02
